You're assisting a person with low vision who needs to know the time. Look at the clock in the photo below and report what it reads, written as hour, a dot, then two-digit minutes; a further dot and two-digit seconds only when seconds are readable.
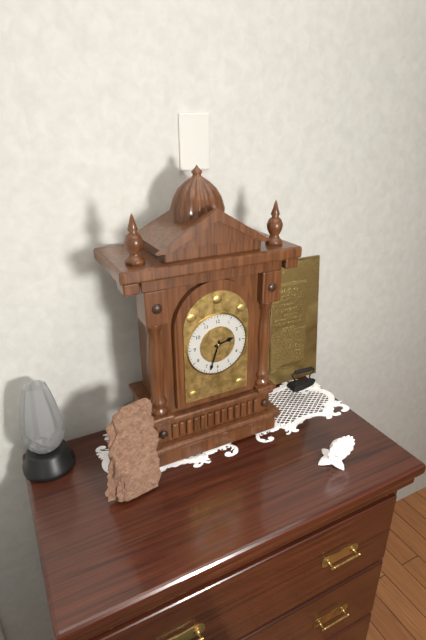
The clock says 2.33
